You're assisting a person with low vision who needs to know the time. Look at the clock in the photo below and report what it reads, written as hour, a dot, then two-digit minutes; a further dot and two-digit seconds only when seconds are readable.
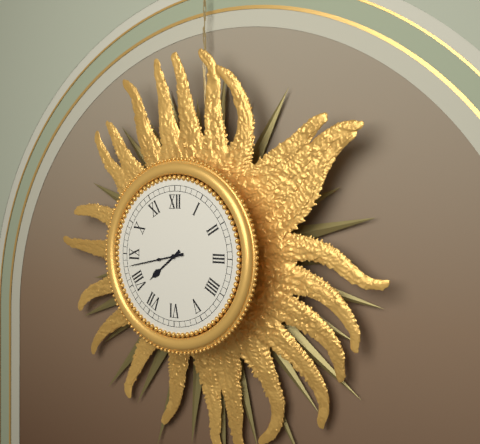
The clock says 7.43
